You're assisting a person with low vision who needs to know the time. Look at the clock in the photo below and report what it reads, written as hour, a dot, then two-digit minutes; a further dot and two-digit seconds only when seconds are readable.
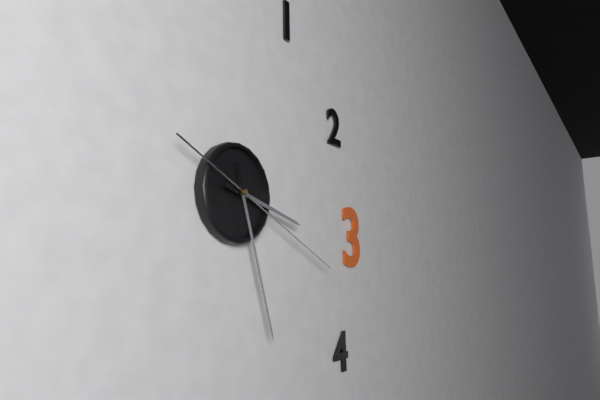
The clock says 3.27.19
